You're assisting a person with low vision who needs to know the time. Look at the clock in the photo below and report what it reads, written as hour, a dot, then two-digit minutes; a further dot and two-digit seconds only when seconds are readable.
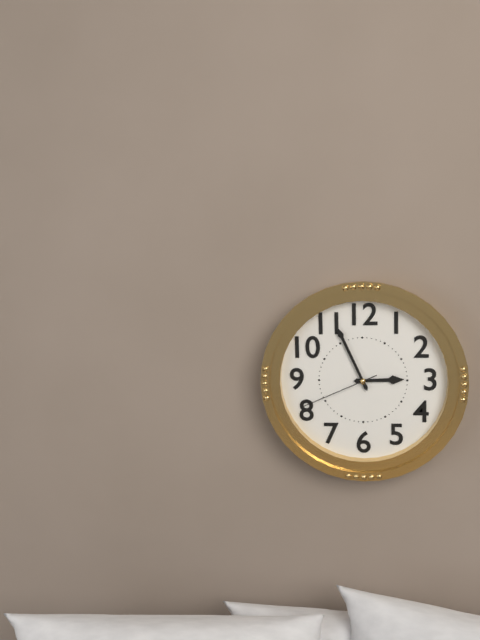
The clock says 2.56.41
